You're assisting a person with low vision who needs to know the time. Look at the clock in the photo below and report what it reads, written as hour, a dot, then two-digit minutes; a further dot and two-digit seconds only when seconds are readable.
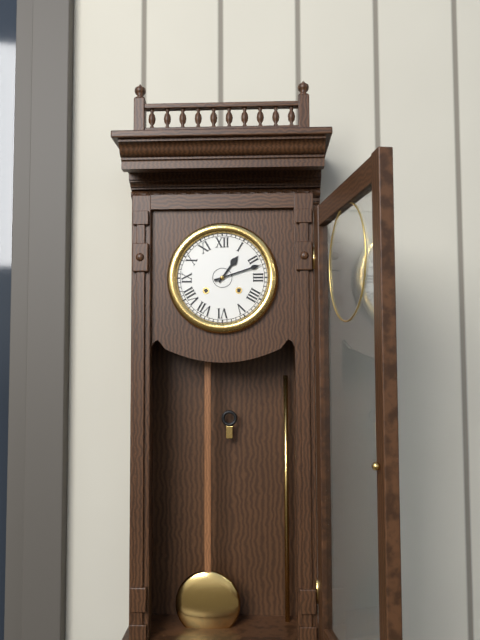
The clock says 1.12
